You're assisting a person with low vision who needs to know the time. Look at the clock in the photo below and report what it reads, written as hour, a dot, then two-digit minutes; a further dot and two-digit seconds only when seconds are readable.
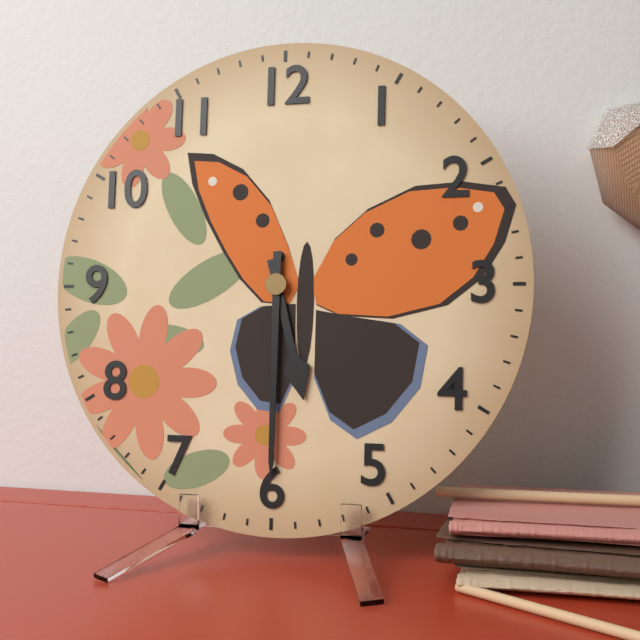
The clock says 5.30
